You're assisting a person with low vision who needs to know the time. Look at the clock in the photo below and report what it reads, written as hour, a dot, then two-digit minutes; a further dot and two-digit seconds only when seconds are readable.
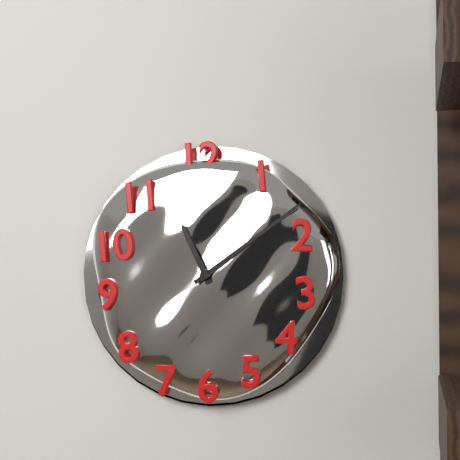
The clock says 11.09
